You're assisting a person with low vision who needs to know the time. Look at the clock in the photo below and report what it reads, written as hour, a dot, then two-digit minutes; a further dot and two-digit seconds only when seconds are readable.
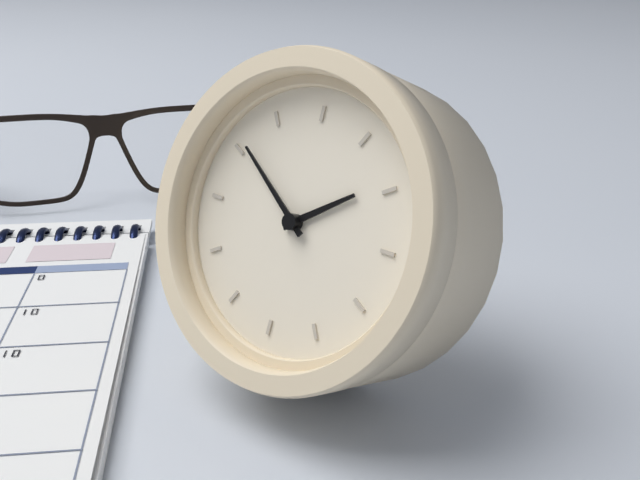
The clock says 1.51
